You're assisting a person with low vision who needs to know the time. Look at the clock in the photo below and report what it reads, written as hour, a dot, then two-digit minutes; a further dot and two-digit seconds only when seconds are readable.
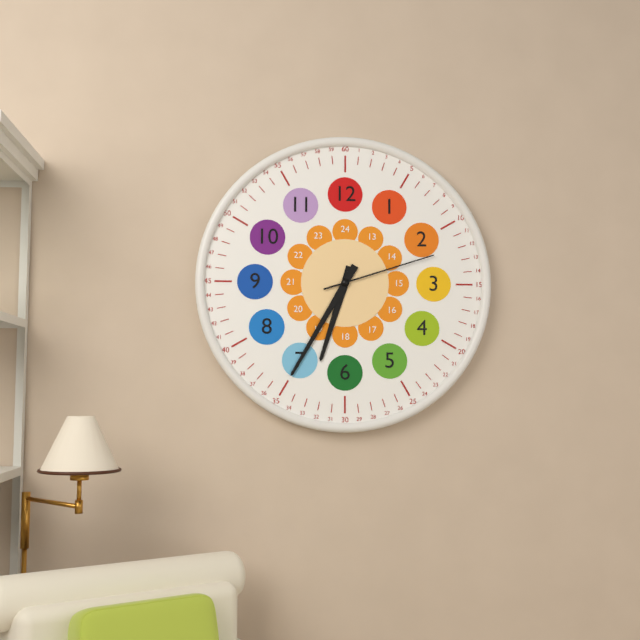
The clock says 6.35.12
